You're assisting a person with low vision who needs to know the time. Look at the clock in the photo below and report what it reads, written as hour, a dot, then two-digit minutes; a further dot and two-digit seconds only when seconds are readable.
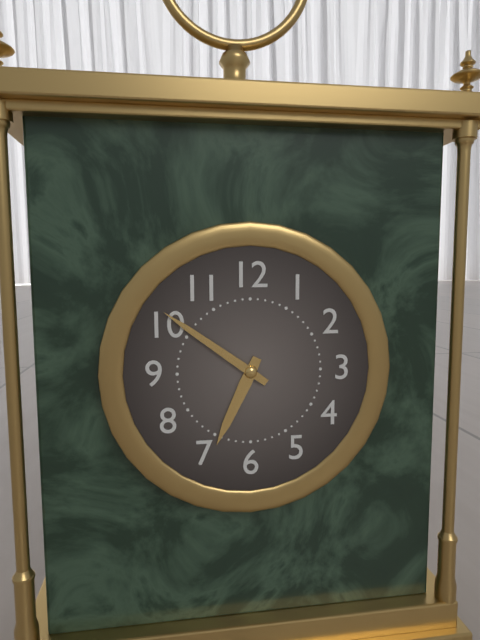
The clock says 6.51
